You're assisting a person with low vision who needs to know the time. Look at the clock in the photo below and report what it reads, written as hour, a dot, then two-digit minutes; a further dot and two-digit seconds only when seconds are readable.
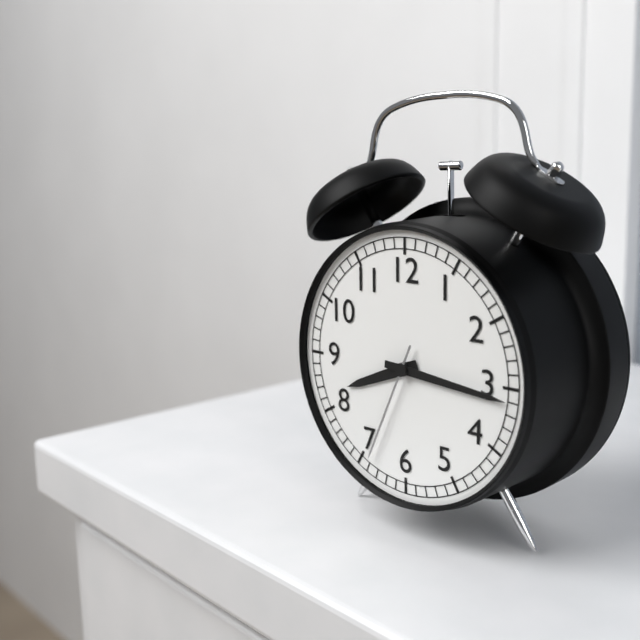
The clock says 8.16.34
